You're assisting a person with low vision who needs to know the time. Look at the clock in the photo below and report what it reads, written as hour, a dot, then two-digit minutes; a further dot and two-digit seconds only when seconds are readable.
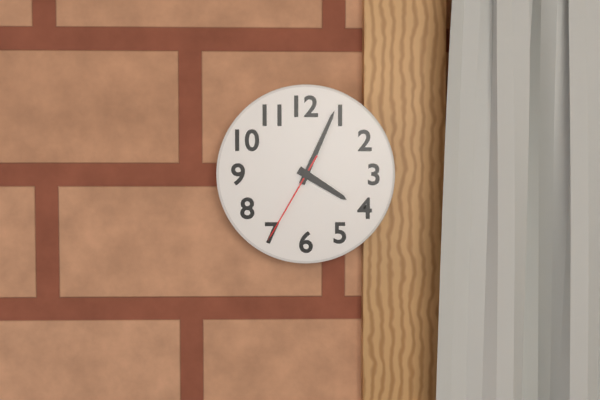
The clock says 4.04.35
